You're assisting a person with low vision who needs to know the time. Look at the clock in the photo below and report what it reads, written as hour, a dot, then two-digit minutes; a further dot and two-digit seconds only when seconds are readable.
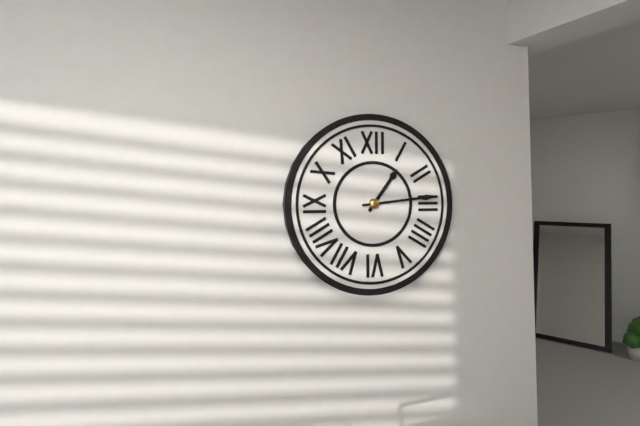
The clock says 1.14
